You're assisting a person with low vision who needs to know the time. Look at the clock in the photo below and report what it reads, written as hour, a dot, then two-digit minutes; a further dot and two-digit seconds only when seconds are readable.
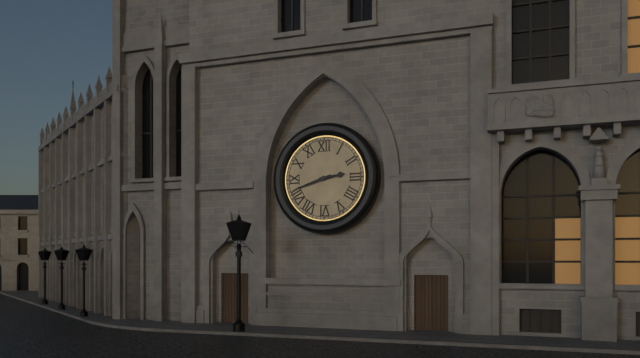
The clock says 2.42
